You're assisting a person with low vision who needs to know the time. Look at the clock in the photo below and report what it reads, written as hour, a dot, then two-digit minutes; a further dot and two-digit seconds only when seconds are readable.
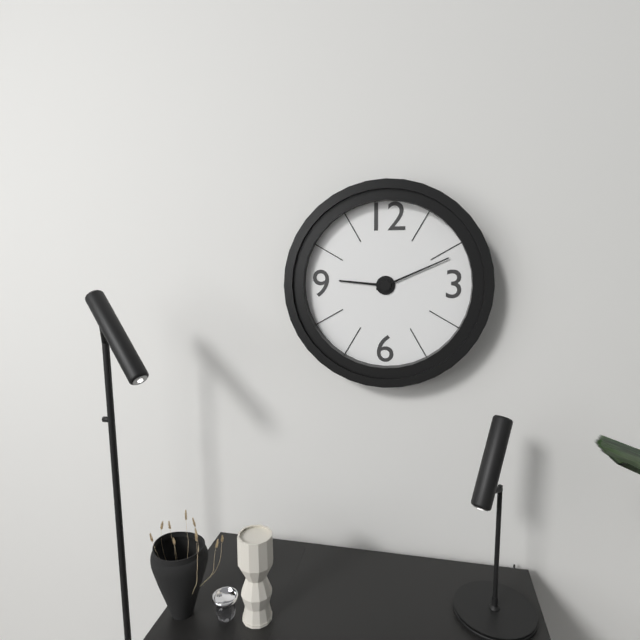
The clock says 9.11
